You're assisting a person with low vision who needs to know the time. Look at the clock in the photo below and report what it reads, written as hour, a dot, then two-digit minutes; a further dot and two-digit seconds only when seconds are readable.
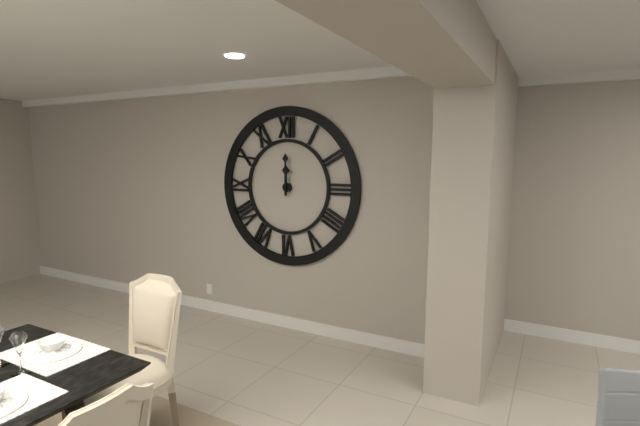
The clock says 12.00
